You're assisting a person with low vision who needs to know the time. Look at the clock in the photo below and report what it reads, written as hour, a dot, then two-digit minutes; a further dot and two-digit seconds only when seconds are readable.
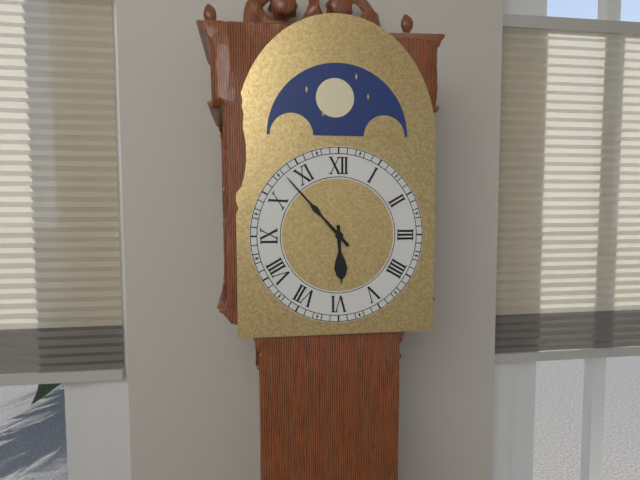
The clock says 5.53
